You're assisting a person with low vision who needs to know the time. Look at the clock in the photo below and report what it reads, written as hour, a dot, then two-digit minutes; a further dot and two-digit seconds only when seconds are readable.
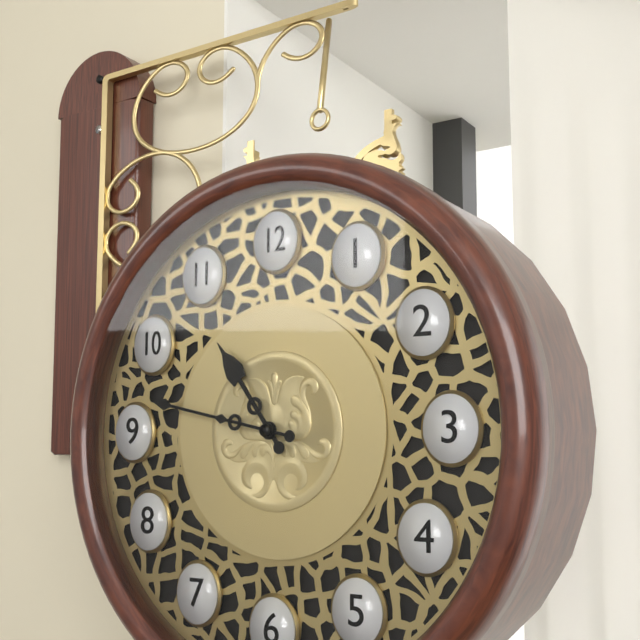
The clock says 10.47
